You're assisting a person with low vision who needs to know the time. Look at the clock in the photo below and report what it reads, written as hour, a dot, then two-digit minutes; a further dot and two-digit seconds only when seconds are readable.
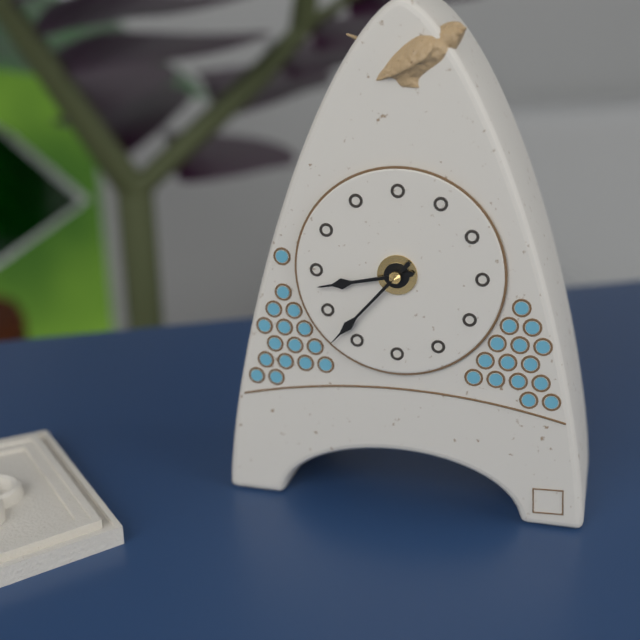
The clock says 8.37
